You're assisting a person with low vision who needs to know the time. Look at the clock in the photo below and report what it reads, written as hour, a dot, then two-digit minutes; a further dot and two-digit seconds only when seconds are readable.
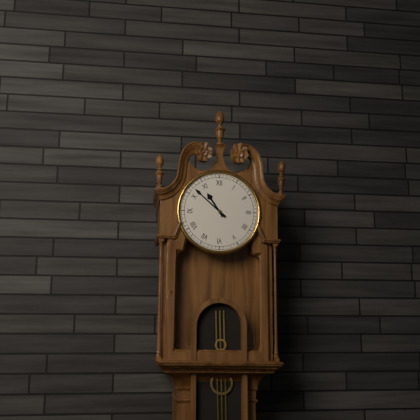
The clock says 10.52
